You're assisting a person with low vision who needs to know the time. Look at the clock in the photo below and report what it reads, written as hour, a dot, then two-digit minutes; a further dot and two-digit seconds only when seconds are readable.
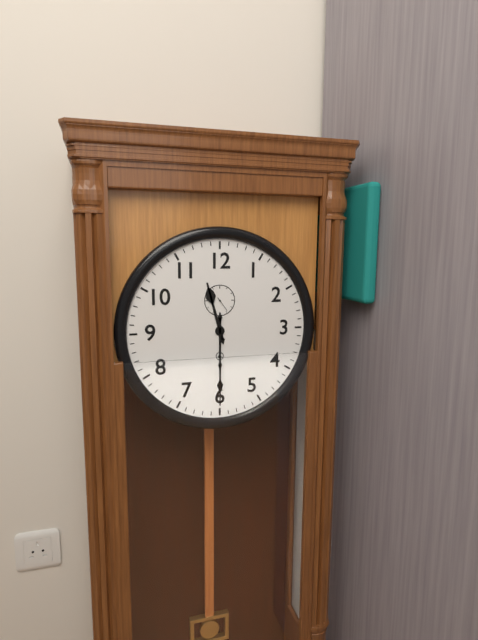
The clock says 11.30
